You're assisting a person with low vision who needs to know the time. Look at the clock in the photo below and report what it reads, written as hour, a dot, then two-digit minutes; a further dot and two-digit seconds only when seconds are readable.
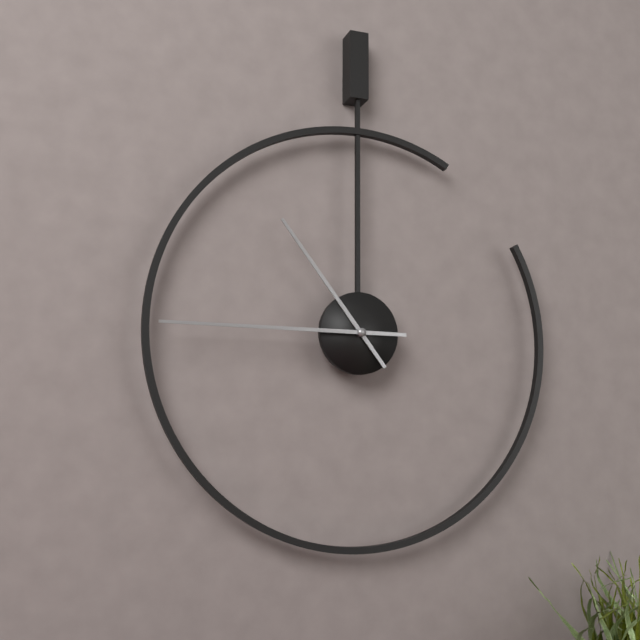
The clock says 10.45
